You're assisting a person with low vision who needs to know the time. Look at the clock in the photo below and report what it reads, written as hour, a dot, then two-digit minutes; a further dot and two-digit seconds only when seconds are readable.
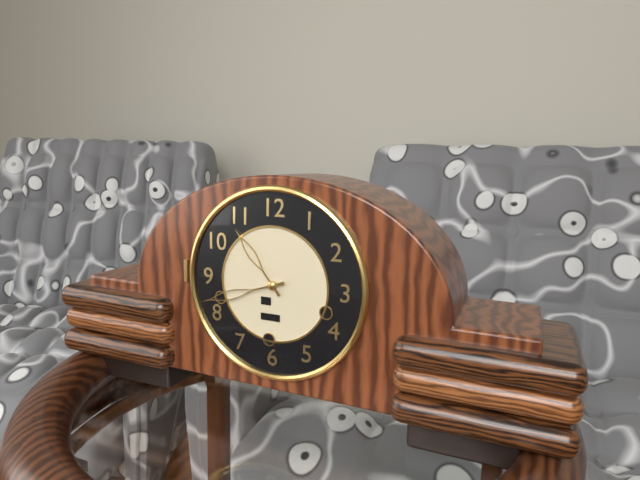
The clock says 10.42
